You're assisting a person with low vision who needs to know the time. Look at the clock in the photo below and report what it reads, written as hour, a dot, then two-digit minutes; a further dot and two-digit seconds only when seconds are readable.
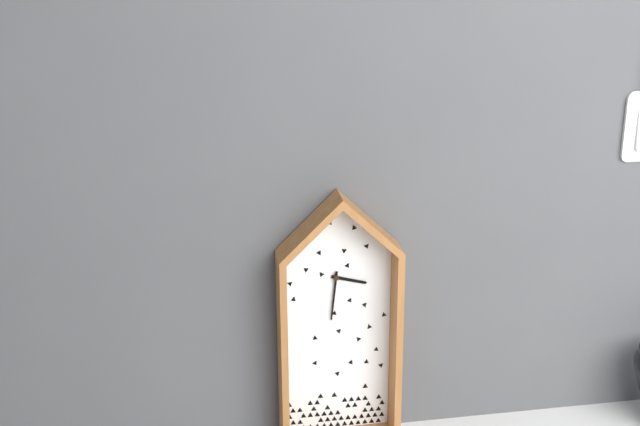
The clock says 3.31
